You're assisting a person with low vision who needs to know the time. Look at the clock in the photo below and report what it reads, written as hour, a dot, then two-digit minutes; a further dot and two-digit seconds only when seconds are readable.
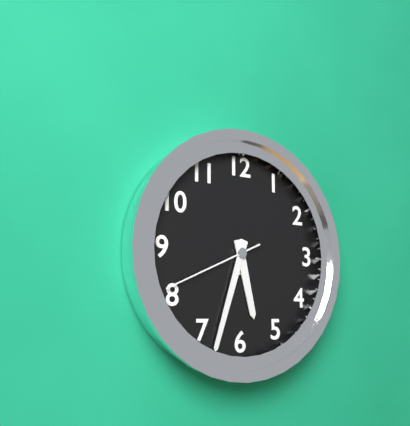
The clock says 5.33.41
